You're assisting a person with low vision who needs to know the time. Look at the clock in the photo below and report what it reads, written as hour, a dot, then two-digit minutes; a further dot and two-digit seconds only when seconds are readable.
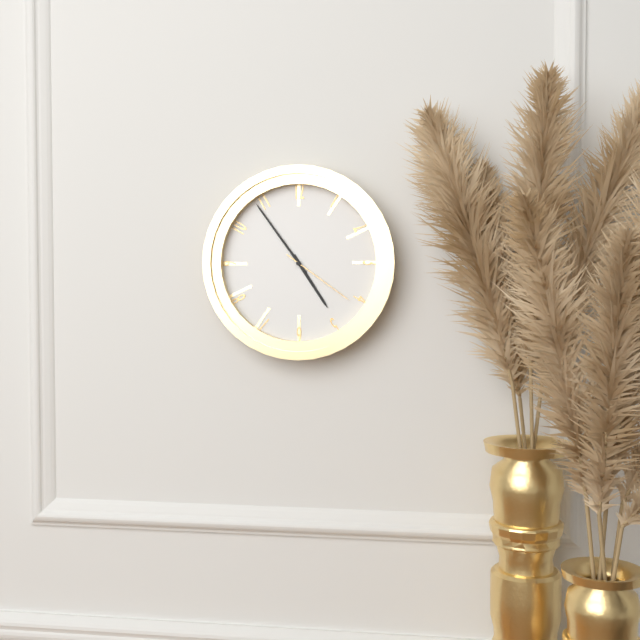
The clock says 4.54.21
